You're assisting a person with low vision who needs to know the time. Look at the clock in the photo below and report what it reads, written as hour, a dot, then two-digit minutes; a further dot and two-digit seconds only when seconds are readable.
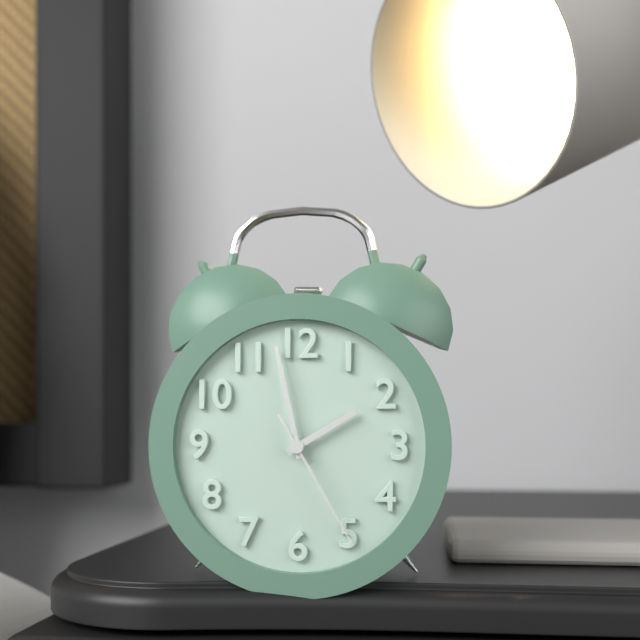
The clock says 1.58.25
